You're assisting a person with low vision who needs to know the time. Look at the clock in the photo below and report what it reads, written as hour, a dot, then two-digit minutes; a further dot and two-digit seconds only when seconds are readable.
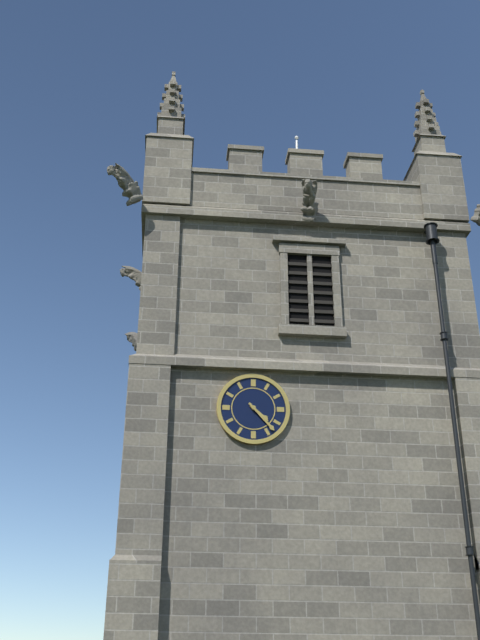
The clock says 4.23
